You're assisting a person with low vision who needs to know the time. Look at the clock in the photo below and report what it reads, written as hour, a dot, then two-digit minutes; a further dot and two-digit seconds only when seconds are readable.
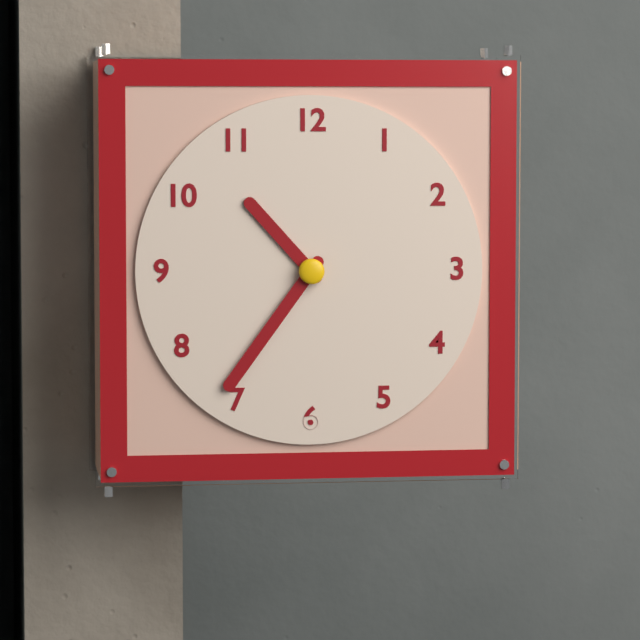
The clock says 10.36
